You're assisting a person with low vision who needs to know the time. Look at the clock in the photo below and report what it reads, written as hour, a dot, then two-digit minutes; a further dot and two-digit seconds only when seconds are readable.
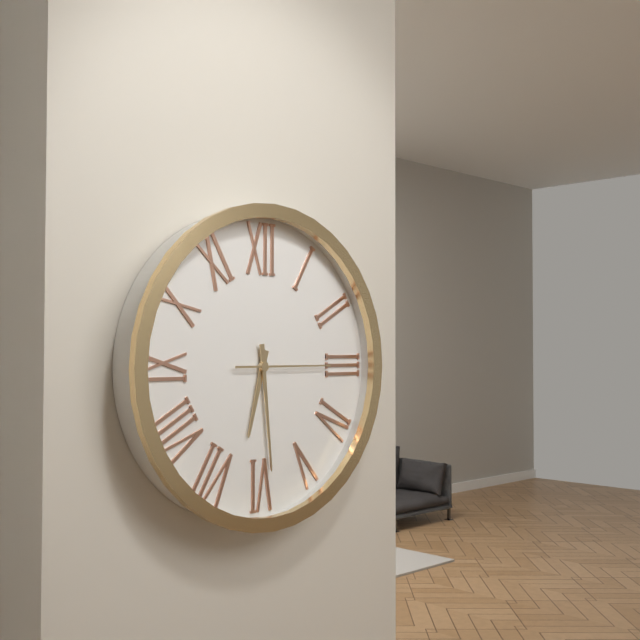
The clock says 6.29.15
